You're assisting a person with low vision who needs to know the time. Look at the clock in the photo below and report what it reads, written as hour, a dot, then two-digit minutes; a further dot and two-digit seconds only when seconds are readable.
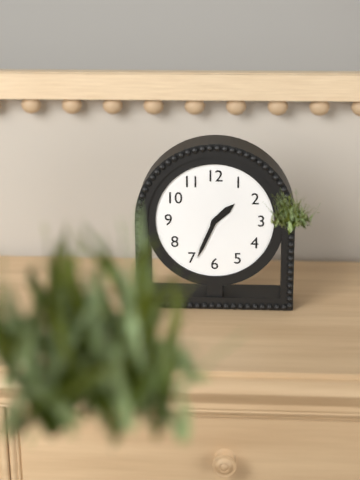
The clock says 1.34
